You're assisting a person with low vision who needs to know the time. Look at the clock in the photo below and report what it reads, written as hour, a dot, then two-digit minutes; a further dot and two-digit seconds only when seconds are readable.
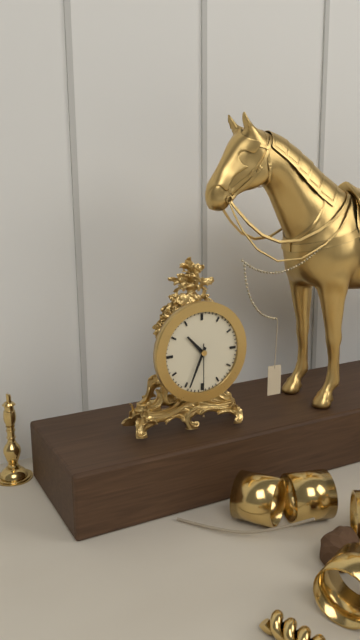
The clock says 10.34
